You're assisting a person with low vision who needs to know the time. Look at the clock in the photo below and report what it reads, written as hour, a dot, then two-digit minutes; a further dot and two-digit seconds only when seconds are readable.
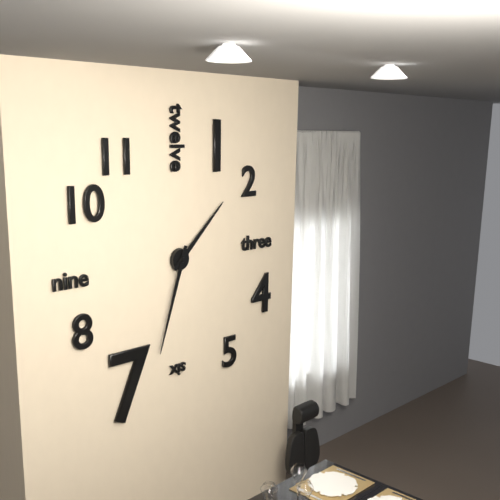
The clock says 1.33
